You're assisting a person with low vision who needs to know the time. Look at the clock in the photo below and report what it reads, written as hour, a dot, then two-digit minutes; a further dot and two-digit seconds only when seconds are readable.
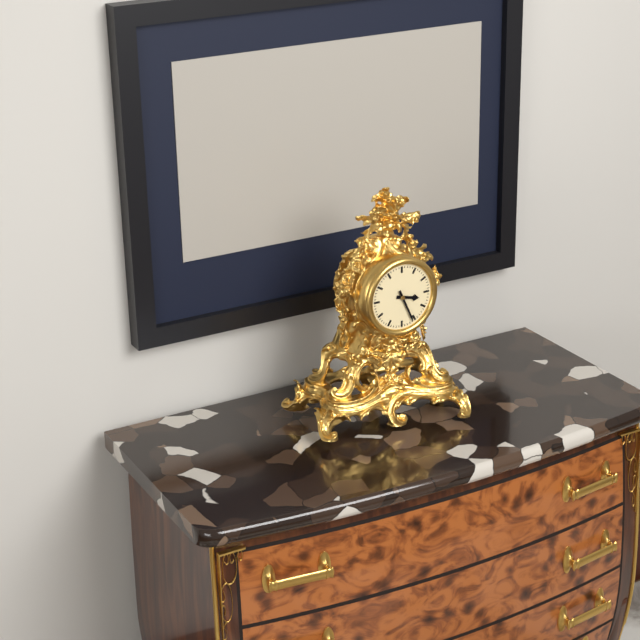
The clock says 3.26
